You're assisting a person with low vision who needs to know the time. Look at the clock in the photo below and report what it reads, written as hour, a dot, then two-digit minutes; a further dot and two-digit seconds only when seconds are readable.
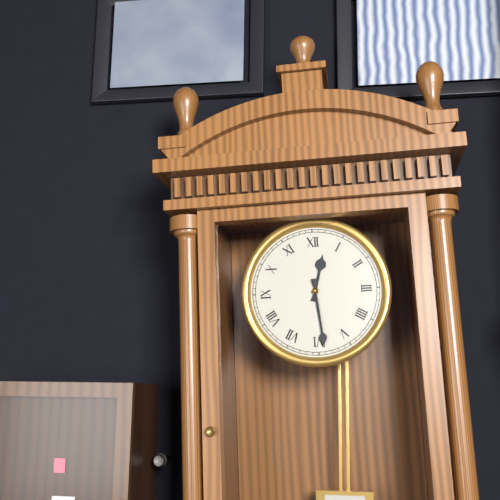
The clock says 12.29
